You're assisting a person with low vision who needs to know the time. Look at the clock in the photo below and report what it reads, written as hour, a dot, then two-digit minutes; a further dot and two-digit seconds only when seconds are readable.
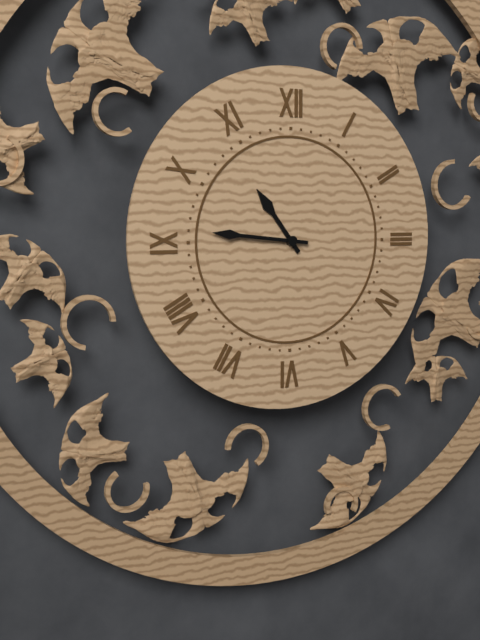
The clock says 10.46
